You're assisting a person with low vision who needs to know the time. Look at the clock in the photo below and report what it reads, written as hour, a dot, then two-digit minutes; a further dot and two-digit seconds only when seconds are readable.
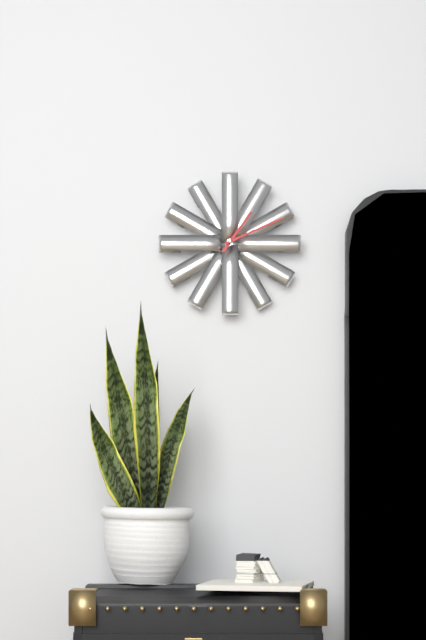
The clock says 1.11
